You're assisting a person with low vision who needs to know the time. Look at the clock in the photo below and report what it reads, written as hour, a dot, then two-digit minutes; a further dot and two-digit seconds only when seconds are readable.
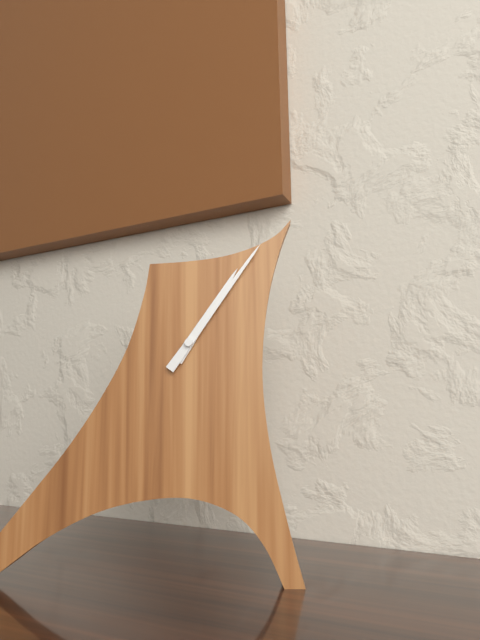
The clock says 1.06
